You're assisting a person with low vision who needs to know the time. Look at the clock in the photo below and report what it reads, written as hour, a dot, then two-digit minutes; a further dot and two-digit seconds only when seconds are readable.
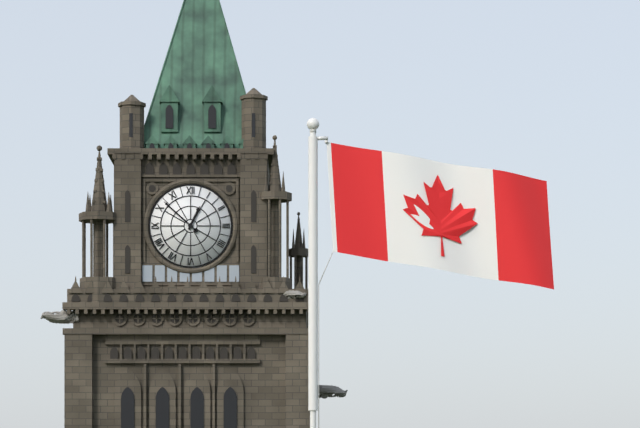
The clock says 12.52
